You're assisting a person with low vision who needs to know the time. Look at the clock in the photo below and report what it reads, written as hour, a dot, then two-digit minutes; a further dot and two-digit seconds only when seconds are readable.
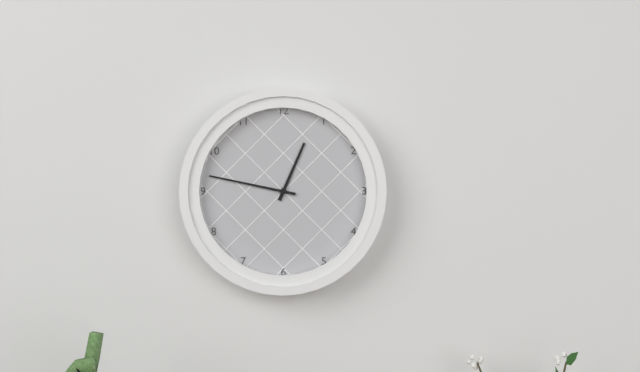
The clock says 12.47
